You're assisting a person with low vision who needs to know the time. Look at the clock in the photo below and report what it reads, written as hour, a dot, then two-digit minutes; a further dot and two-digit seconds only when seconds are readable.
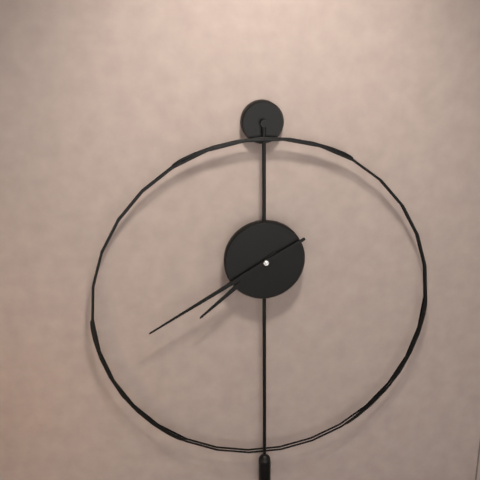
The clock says 7.40
